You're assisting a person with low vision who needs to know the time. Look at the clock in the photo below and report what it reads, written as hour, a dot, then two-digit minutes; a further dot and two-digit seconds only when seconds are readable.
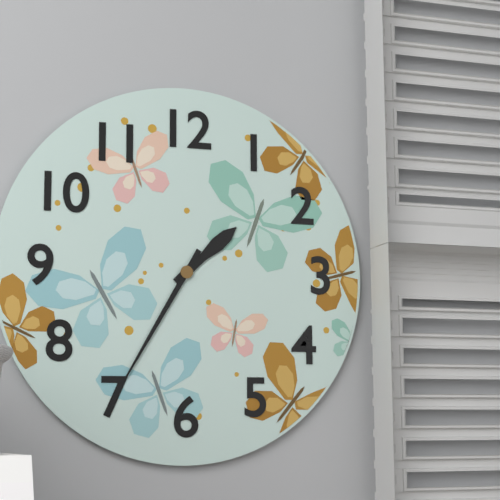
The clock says 1.35
